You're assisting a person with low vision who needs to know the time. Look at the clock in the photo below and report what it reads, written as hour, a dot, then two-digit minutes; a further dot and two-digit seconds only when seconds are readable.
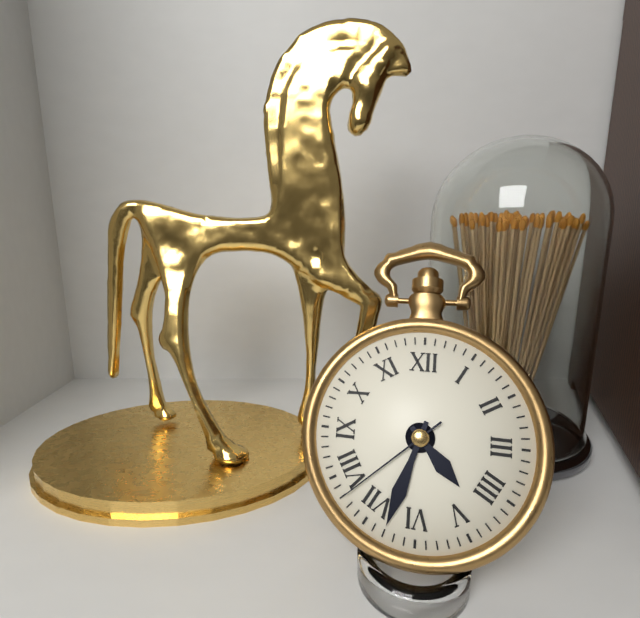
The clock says 4.33.38
